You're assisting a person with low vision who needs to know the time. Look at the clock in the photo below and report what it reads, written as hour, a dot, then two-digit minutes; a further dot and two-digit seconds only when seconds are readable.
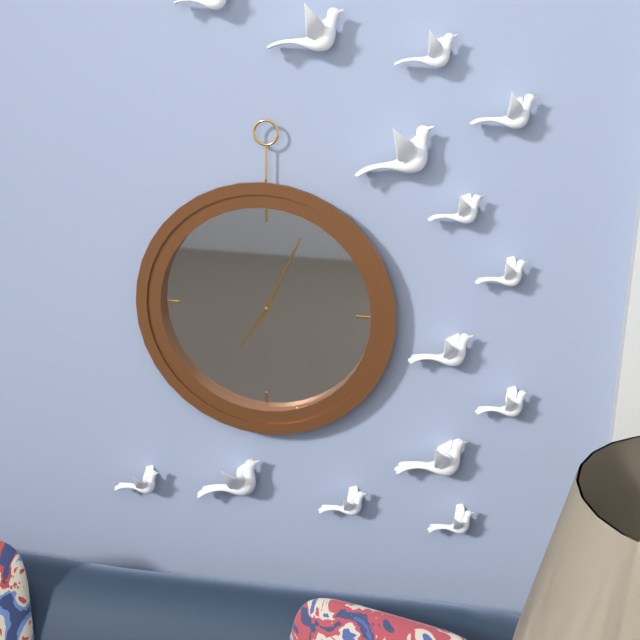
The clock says 7.04
